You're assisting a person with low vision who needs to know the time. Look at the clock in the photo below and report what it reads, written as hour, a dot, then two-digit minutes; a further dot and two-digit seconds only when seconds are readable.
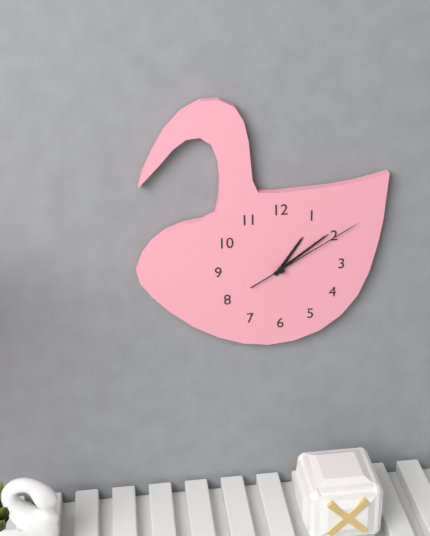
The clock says 1.09.10
